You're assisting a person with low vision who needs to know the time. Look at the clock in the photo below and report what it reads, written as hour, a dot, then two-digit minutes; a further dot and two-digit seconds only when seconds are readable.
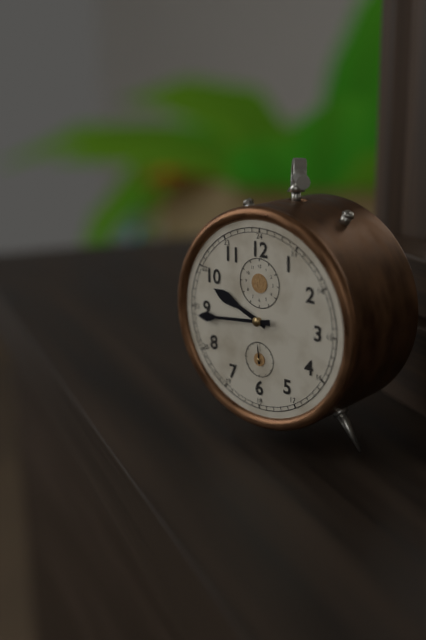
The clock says 9.44
